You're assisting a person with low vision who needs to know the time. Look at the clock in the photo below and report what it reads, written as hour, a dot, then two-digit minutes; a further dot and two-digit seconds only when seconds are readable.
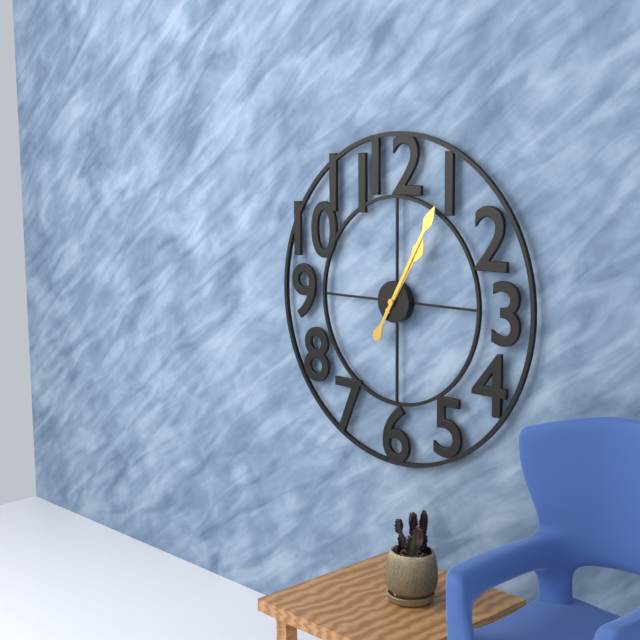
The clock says 1.05
